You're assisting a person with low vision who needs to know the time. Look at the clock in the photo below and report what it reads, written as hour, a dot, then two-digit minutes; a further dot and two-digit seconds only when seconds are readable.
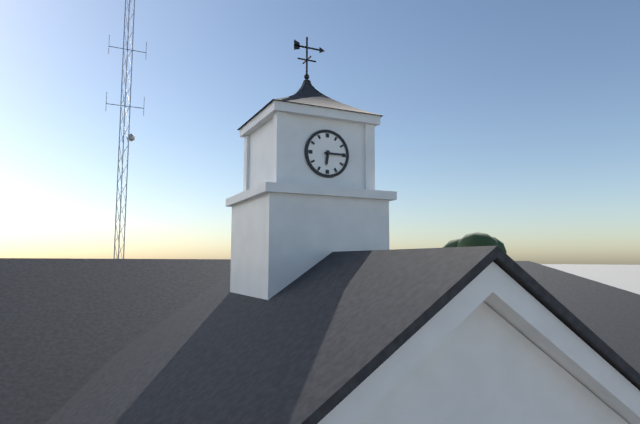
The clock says 6.15
